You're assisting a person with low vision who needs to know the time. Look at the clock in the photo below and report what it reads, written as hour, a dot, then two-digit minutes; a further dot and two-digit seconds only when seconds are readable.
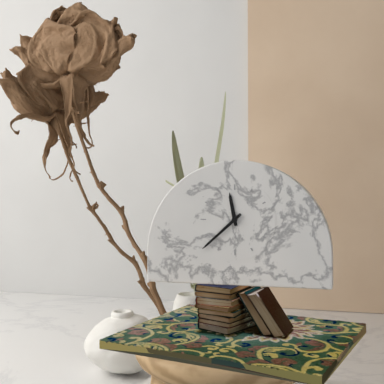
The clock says 11.38
